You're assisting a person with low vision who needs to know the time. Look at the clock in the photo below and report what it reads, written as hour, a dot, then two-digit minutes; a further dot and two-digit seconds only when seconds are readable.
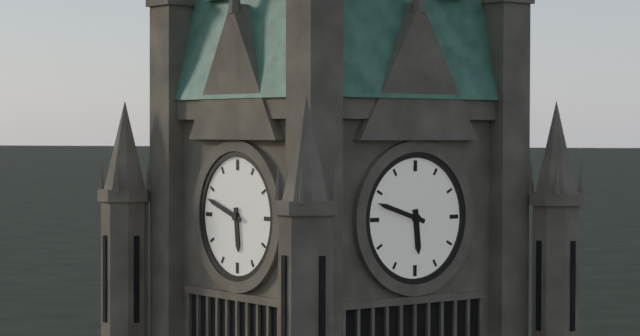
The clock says 5.48
